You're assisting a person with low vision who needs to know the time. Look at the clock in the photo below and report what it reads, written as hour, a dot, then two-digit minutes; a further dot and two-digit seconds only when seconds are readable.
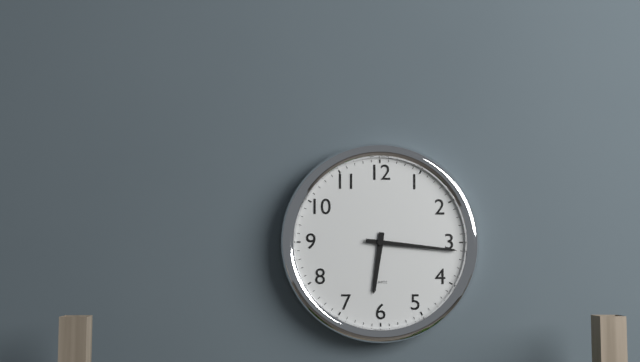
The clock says 6.16
